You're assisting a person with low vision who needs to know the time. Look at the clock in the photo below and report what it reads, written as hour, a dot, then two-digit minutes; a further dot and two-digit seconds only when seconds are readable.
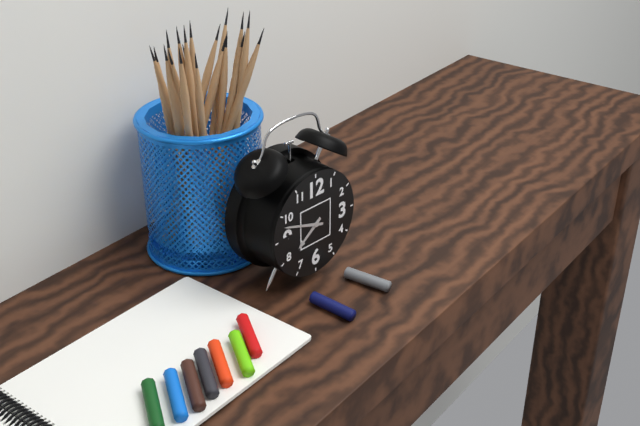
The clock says 7.48
